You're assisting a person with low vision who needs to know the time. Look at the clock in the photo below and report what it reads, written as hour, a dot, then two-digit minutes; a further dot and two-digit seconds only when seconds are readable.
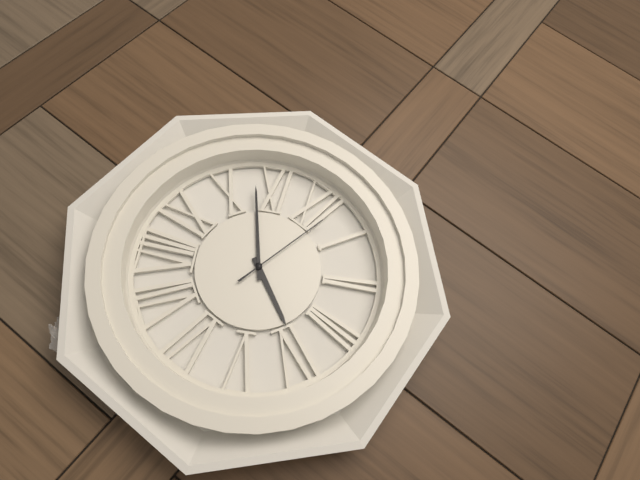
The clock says 3.53.02
